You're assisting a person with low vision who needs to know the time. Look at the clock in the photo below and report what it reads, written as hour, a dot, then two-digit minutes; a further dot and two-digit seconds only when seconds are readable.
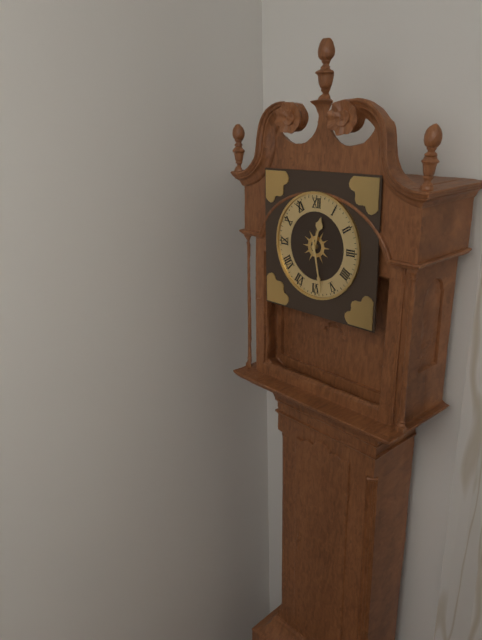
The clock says 12.28
